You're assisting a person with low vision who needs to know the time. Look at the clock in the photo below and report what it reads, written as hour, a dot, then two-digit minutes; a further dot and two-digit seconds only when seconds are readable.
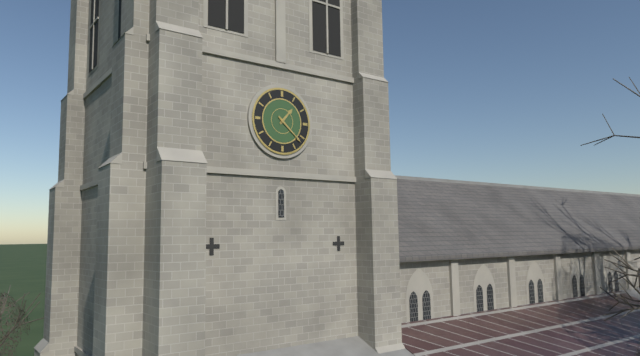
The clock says 1.22
